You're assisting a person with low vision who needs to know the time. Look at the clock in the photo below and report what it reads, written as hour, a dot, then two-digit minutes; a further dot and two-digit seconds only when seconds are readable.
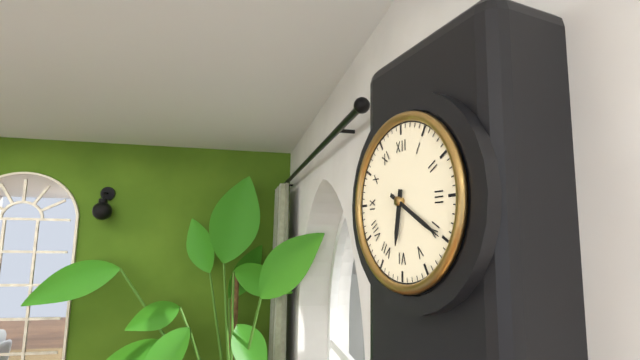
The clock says 6.20
